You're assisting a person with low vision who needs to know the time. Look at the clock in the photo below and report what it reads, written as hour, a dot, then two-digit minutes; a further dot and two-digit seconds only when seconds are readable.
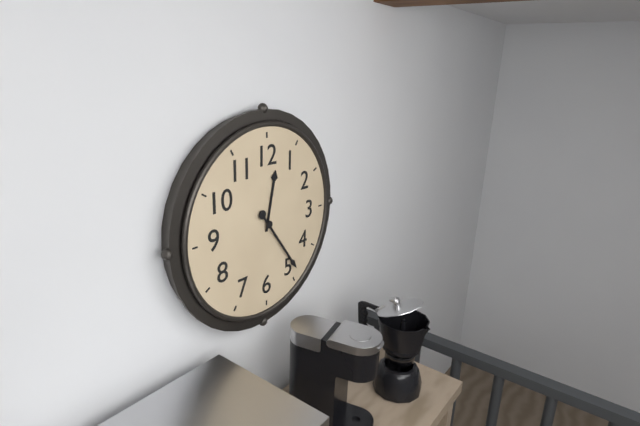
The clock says 12.24
